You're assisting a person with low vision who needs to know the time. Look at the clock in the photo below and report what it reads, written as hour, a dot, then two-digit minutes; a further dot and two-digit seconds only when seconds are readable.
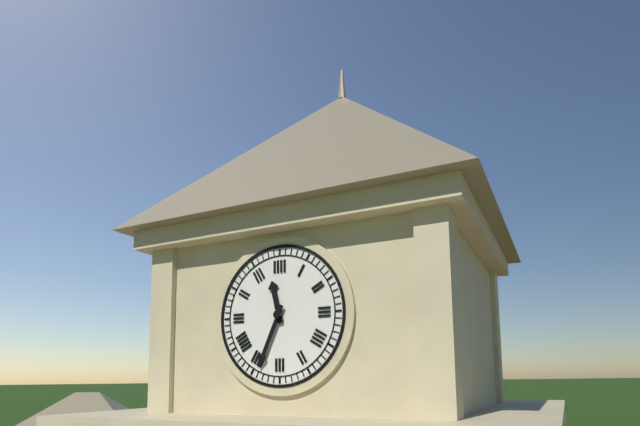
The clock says 11.34
